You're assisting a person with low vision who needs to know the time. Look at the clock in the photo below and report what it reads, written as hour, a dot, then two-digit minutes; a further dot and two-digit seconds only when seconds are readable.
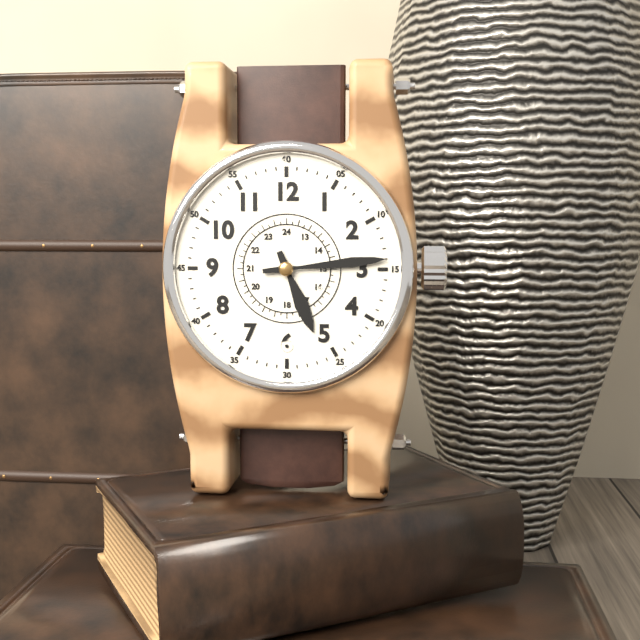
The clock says 5.14
